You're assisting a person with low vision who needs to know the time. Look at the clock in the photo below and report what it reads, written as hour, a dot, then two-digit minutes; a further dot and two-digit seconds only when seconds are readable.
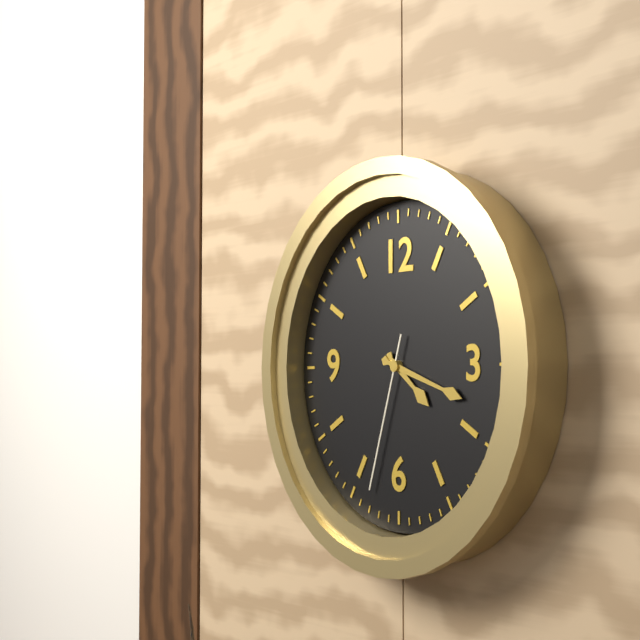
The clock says 4.18.33
